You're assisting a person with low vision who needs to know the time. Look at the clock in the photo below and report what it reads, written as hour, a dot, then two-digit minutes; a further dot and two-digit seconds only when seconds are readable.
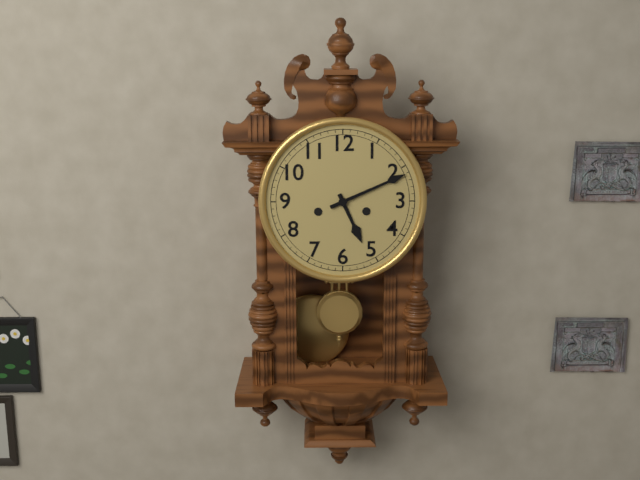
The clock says 5.11
